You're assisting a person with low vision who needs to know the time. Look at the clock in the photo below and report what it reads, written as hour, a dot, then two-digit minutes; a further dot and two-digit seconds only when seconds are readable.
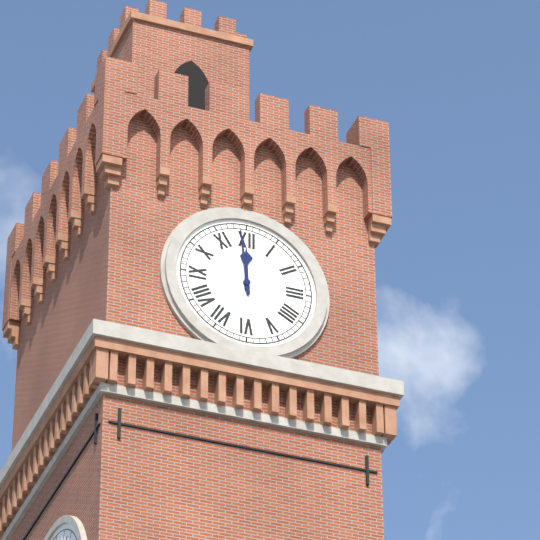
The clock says 11.59
